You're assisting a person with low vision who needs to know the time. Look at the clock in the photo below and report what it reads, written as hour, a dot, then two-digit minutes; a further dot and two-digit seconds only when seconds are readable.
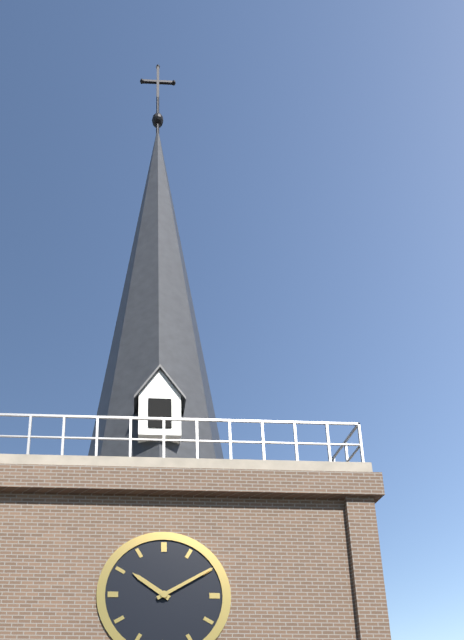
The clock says 10.10
